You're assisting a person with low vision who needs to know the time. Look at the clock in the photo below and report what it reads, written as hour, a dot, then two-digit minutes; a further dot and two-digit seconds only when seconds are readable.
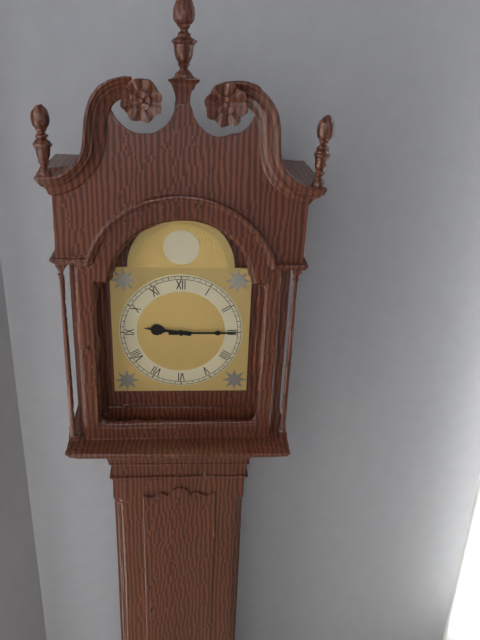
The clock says 9.15
